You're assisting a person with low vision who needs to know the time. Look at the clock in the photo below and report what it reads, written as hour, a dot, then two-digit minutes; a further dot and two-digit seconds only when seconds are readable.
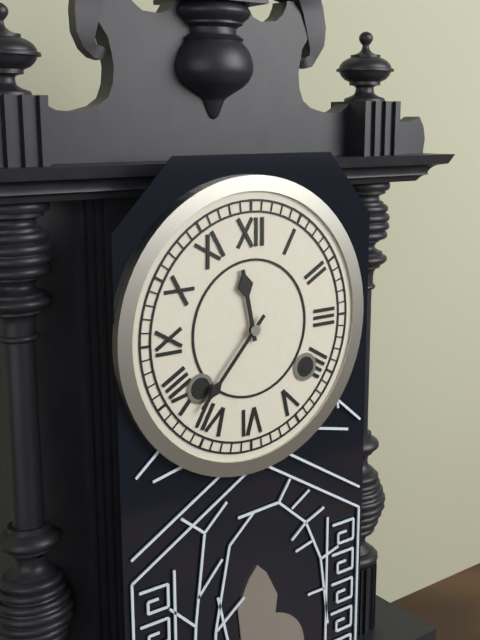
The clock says 11.37
